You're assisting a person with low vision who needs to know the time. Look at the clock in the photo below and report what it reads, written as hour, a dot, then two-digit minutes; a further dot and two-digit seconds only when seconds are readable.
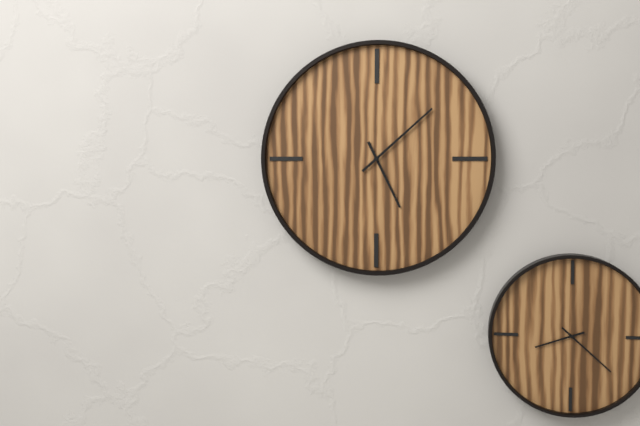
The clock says 5.08
